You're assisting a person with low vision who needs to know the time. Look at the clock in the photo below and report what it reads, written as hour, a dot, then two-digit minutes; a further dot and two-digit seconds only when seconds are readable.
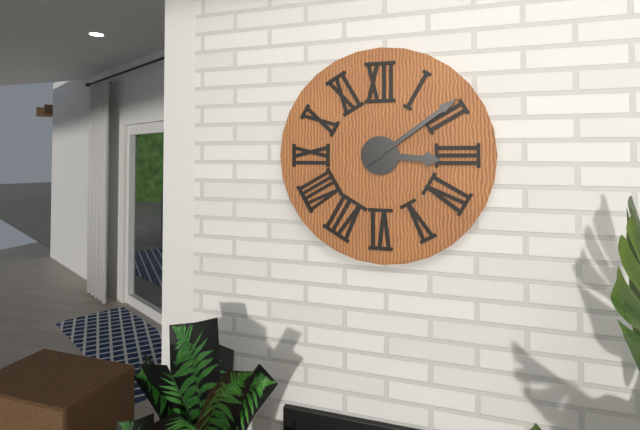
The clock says 3.09
